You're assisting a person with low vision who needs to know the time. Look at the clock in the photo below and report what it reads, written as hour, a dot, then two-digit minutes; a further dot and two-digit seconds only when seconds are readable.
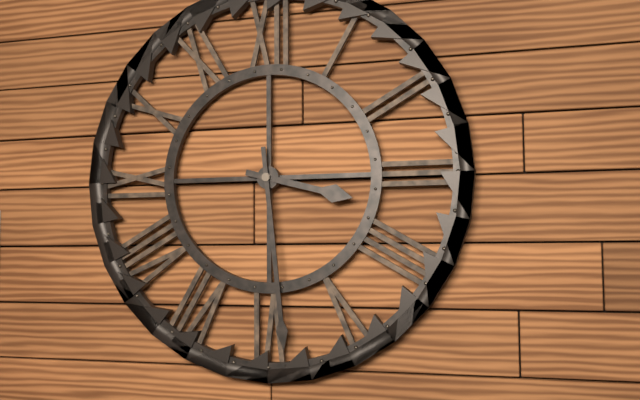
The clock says 3.29
